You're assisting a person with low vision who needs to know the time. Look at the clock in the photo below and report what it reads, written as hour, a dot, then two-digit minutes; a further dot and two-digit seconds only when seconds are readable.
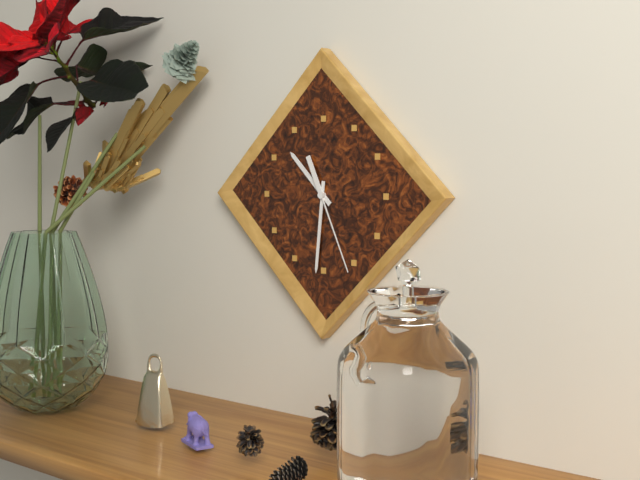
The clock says 10.31.26
